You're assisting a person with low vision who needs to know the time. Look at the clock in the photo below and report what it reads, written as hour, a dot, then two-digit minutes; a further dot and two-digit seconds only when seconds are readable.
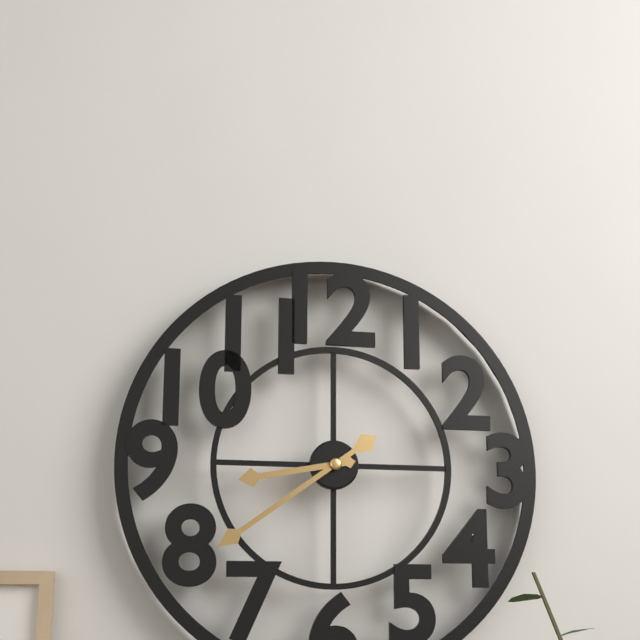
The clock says 8.39
